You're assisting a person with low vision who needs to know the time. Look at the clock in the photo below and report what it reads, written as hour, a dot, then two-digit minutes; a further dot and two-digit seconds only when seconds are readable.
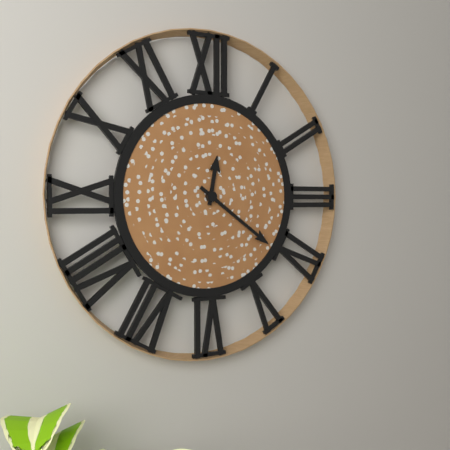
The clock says 12.21
